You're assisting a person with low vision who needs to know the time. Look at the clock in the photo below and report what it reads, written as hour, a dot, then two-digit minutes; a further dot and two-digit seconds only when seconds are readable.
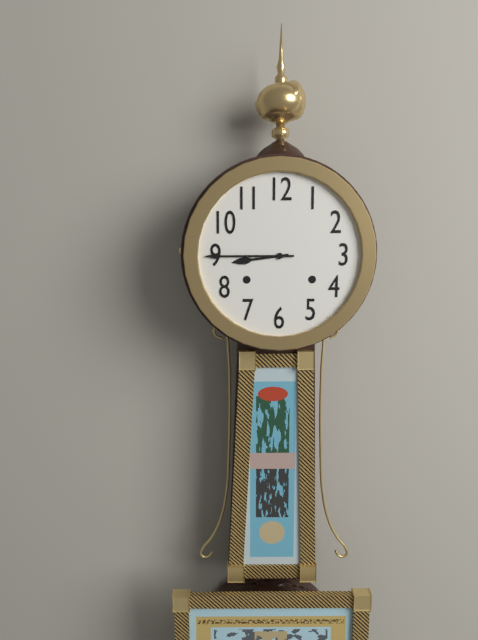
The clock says 8.45
